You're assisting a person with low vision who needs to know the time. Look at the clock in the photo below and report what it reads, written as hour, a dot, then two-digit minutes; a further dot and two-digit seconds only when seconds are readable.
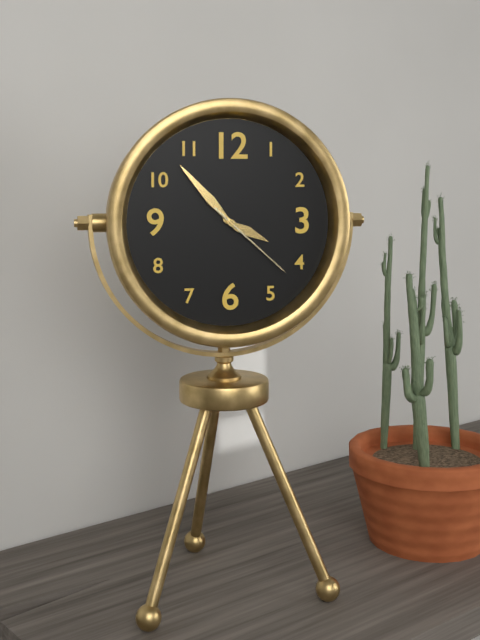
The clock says 3.53.22
